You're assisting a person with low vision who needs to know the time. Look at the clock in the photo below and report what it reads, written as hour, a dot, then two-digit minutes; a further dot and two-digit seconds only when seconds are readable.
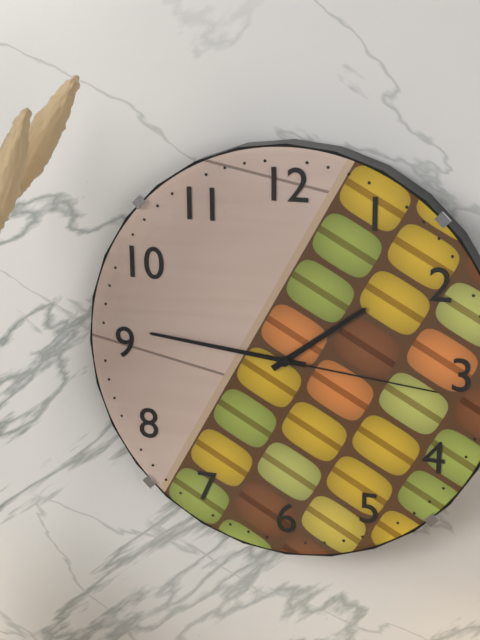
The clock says 1.46.16
